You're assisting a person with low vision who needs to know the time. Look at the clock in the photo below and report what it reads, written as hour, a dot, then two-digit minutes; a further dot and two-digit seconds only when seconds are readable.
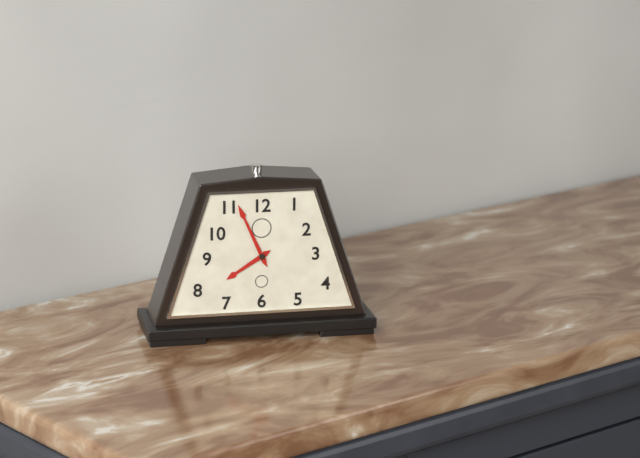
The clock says 7.56
